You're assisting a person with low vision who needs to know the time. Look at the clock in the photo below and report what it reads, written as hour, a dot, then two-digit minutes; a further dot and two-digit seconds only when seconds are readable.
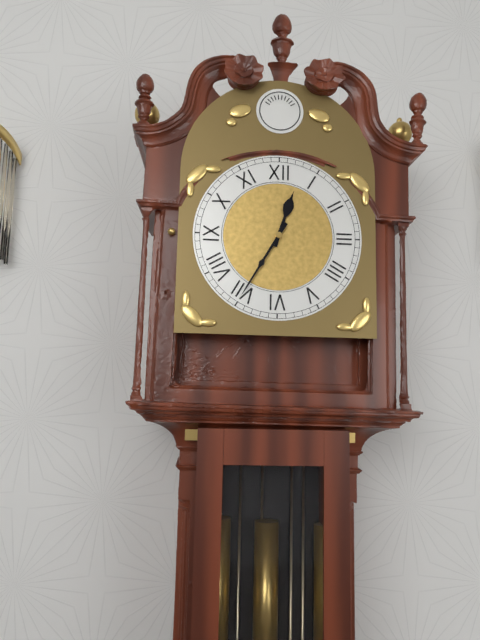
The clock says 12.35
